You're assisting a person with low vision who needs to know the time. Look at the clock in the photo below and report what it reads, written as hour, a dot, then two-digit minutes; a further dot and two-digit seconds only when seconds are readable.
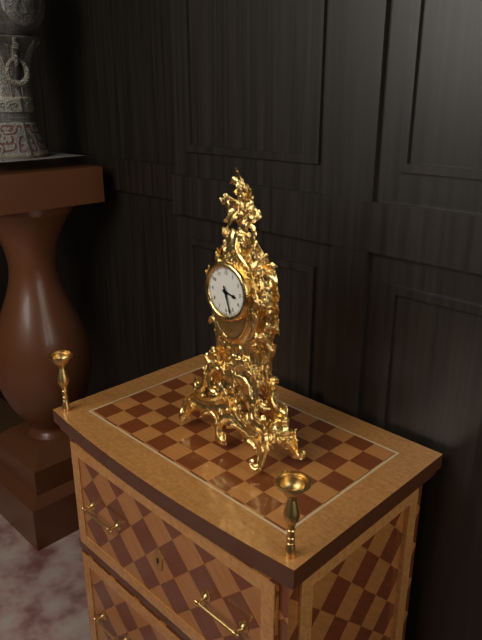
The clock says 3.27
